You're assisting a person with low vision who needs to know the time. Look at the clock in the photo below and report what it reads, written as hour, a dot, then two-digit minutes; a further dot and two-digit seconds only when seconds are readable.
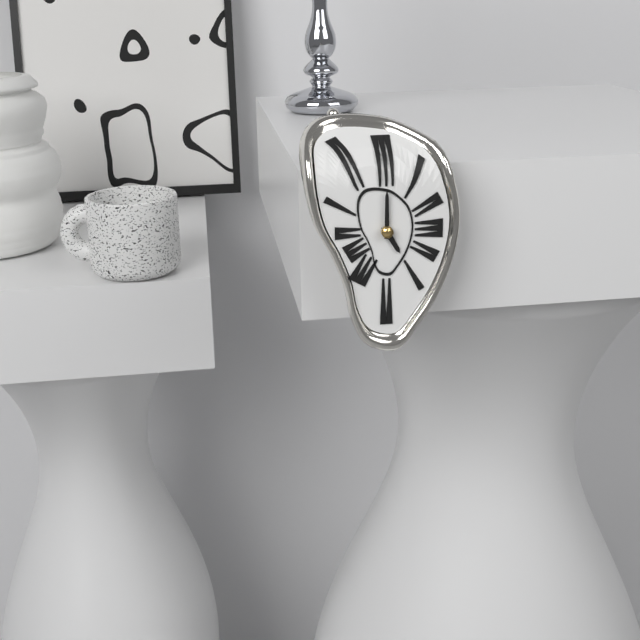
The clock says 5.00
